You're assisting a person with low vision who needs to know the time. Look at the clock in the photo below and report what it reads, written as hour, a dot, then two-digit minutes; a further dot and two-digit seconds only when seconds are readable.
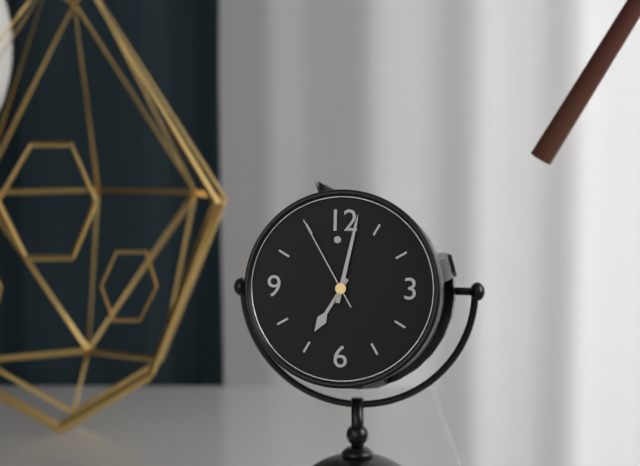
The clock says 7.02.55
